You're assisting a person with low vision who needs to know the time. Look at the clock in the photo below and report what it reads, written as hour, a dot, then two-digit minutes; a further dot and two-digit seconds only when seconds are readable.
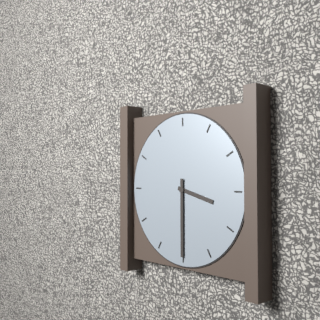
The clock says 3.30
